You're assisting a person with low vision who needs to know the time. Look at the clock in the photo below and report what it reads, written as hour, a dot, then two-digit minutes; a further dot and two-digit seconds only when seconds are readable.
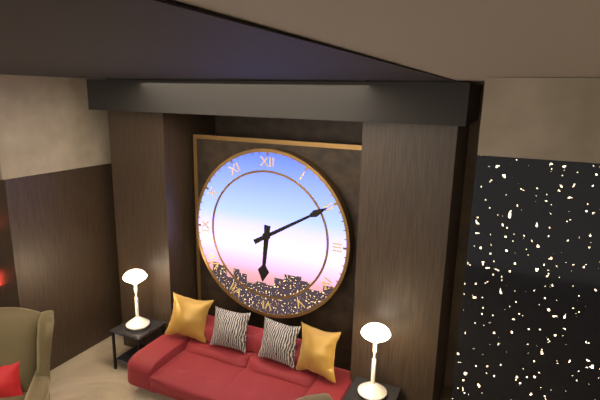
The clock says 6.10
